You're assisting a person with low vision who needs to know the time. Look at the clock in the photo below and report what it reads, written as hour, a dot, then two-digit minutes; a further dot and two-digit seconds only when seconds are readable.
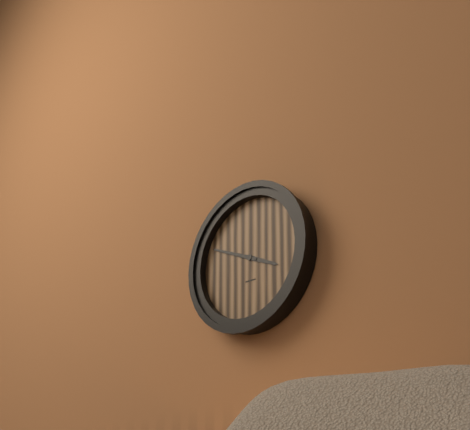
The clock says 3.49
